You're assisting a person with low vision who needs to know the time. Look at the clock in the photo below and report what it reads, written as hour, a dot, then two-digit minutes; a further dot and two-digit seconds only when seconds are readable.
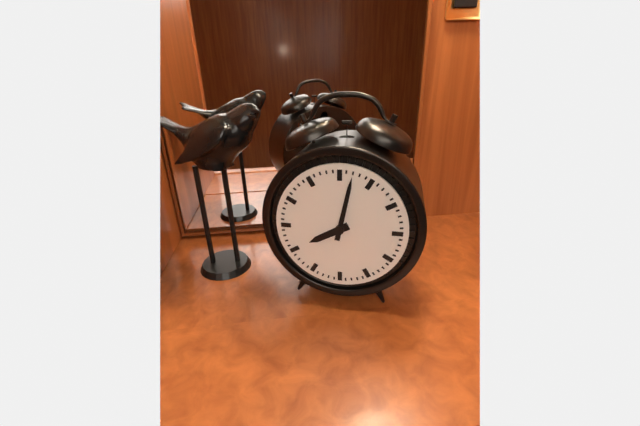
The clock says 8.02
